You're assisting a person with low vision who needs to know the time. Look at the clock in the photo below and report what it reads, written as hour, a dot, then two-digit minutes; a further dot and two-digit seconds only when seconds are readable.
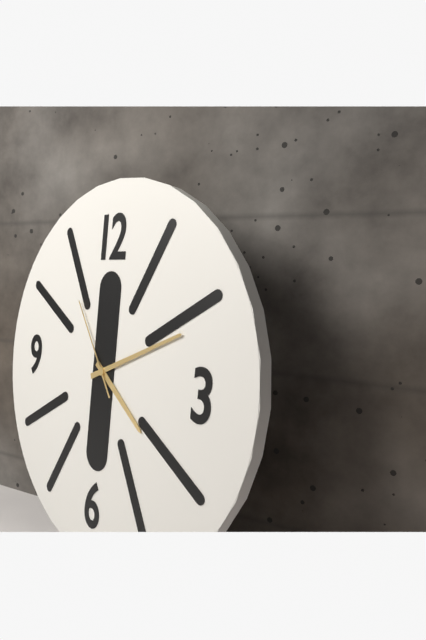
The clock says 4.11.54
